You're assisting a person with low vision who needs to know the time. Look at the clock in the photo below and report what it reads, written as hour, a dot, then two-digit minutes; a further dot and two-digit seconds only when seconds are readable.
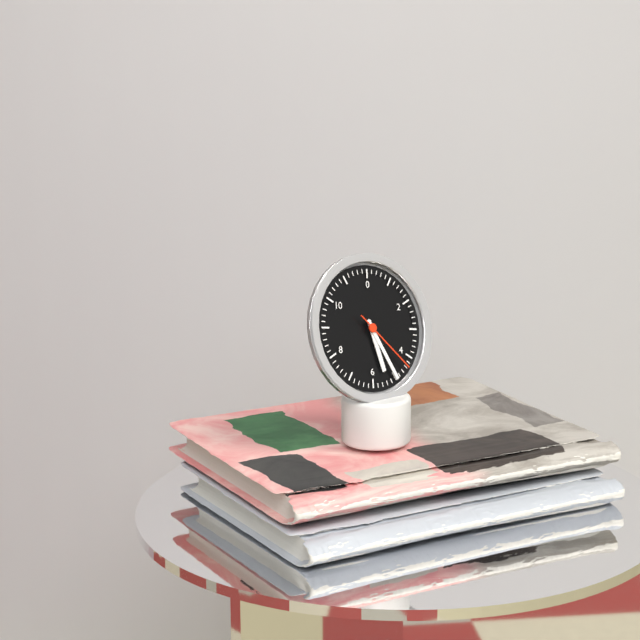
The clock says 5.25.22
